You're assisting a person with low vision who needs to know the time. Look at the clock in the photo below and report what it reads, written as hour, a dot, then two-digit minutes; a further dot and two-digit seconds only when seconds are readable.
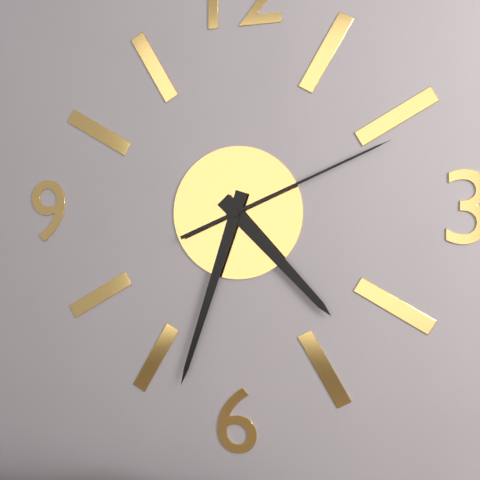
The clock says 4.33.11
